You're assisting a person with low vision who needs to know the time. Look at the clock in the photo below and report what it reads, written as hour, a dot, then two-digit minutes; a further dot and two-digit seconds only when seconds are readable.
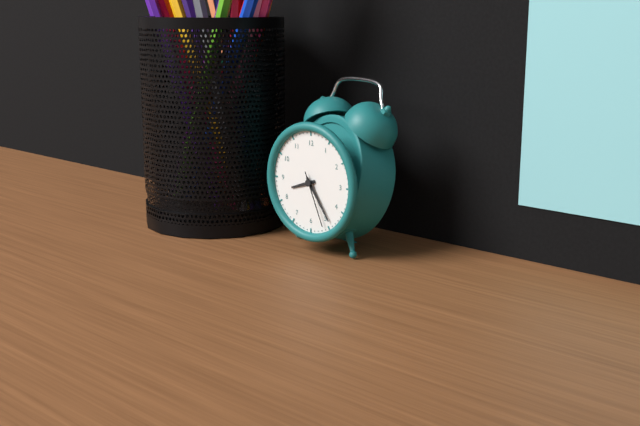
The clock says 8.24.26
